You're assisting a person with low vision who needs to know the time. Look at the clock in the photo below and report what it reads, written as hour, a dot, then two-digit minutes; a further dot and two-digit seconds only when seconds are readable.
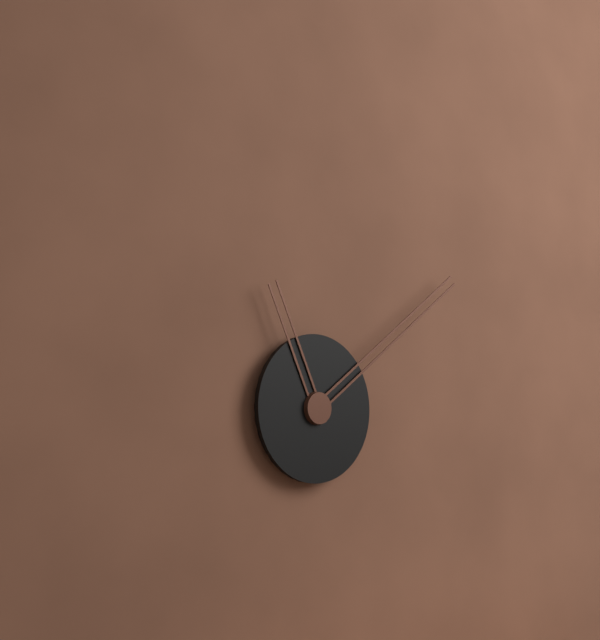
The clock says 11.09
